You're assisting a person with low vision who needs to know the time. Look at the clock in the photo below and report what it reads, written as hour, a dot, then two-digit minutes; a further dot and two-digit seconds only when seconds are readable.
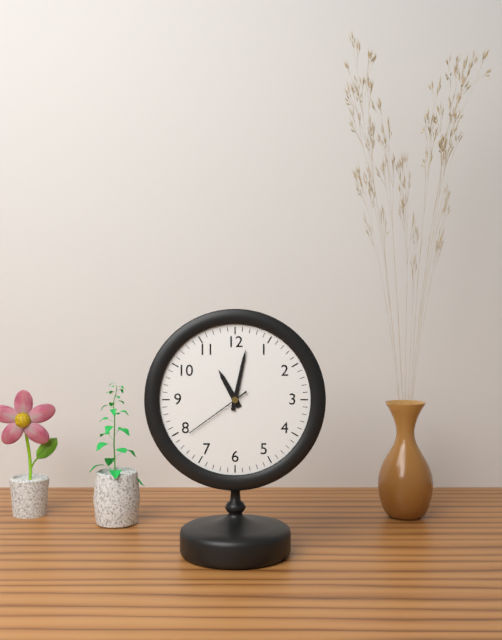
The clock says 11.02.39
